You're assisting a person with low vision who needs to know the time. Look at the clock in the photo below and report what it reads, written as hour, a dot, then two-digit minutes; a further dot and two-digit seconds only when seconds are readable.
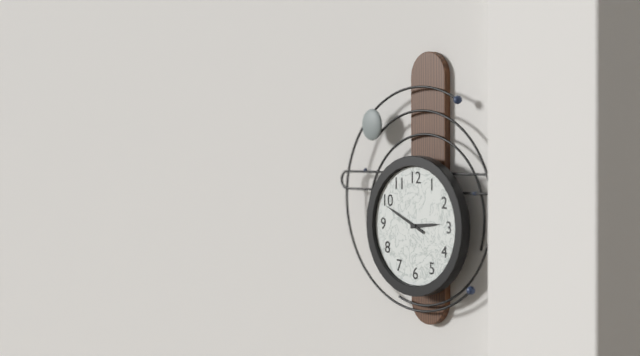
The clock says 2.49
